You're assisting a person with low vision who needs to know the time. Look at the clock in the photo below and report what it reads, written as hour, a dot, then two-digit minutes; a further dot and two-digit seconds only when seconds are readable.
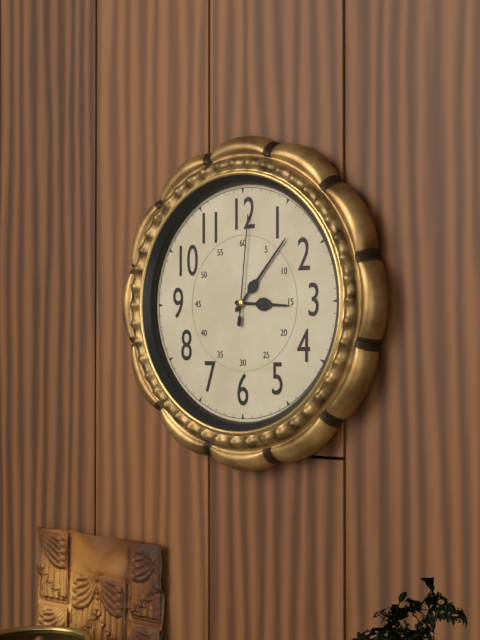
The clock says 3.07.01
